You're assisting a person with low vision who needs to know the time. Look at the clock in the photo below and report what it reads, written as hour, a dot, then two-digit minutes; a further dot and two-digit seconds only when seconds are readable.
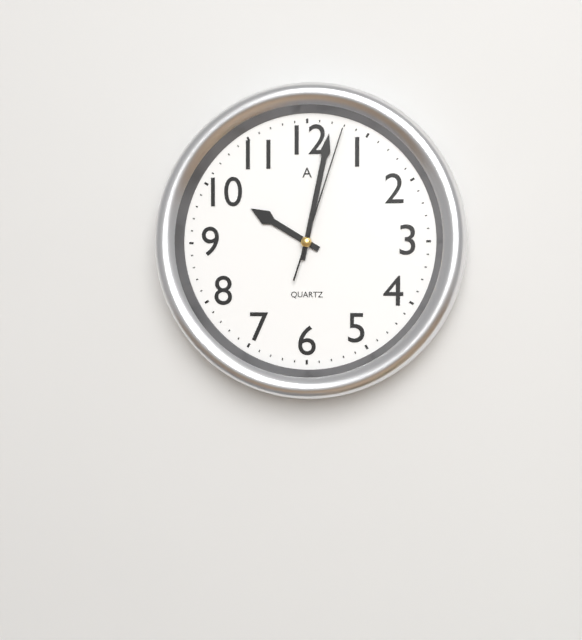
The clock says 10.02.03
